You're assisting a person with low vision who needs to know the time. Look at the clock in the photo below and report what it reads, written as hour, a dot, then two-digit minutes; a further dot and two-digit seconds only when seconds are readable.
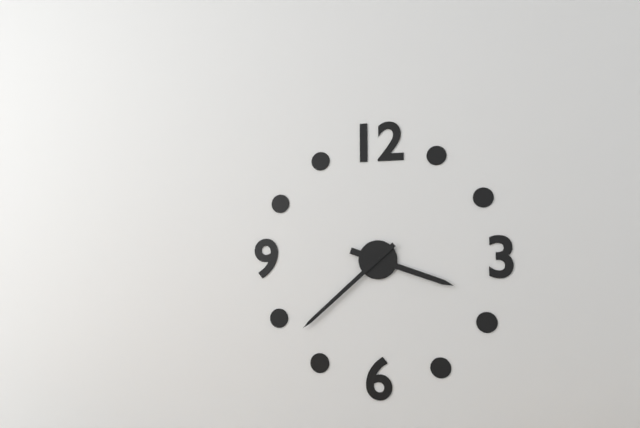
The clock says 3.38
